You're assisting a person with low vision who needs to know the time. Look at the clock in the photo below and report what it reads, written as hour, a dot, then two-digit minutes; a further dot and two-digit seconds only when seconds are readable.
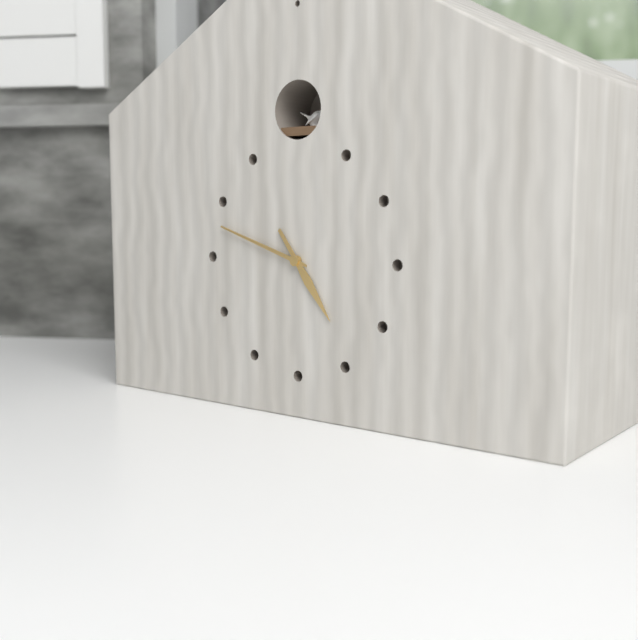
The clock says 4.48
